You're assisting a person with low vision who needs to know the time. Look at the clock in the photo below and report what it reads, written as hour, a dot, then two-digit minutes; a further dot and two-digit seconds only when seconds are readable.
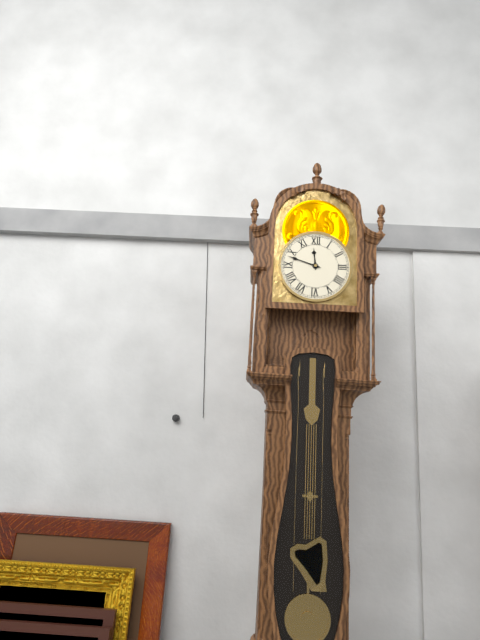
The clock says 11.48
